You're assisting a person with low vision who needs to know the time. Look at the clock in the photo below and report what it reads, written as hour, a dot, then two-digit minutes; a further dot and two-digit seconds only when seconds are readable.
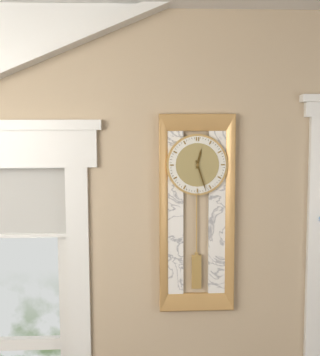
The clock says 12.27
